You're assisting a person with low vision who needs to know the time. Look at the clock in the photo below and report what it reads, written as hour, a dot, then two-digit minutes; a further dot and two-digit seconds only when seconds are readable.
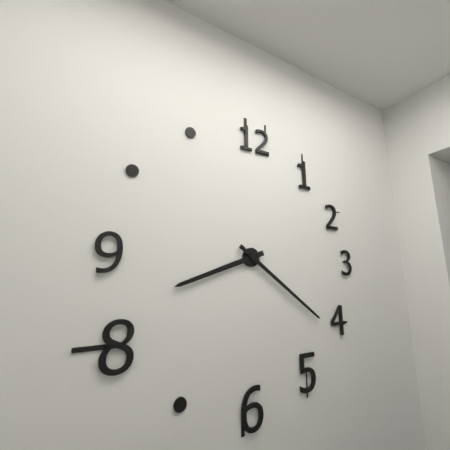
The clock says 8.21
